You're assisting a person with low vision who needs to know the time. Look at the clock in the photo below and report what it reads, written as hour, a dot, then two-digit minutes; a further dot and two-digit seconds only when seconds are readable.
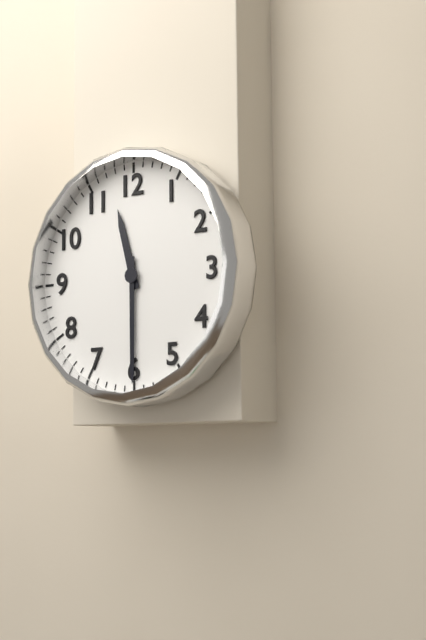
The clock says 11.30
